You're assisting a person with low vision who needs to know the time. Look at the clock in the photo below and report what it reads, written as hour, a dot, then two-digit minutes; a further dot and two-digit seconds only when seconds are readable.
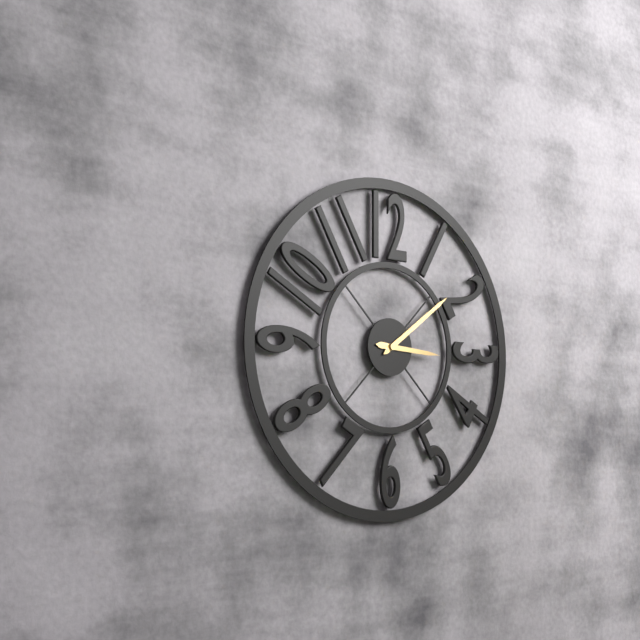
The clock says 3.09
